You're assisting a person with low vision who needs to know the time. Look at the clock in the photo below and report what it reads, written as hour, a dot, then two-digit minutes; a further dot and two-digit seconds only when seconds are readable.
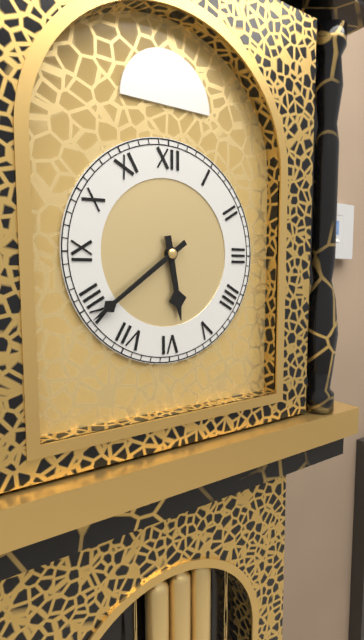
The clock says 5.39
